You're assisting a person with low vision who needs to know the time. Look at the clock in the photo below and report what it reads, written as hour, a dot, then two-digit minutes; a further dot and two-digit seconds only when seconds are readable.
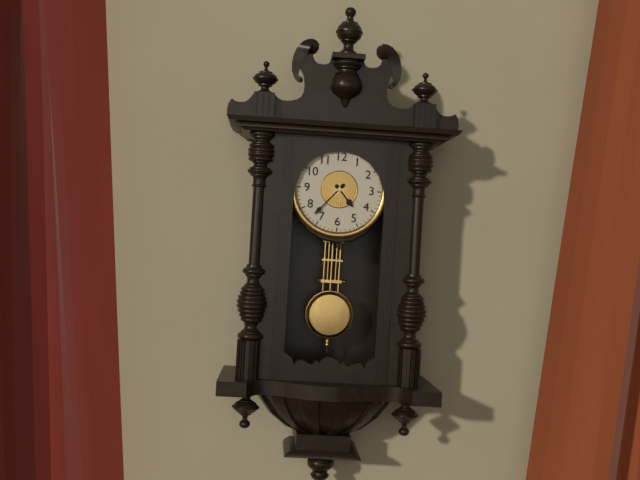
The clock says 4.37
